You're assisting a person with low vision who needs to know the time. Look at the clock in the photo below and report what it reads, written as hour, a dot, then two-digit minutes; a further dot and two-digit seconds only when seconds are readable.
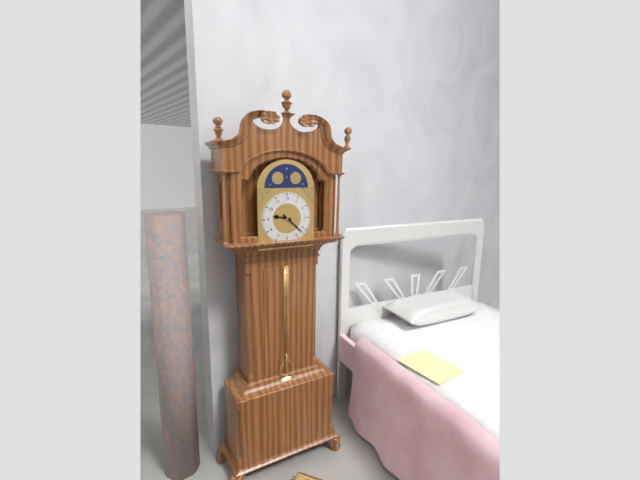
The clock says 9.22
